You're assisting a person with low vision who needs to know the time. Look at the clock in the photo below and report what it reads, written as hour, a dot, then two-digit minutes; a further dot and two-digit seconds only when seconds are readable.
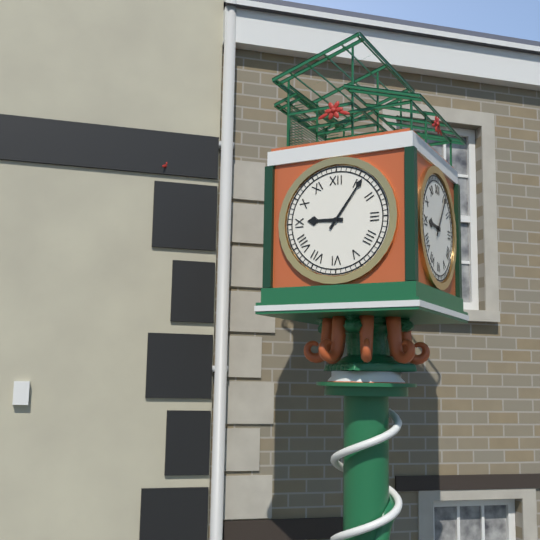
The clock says 9.06
